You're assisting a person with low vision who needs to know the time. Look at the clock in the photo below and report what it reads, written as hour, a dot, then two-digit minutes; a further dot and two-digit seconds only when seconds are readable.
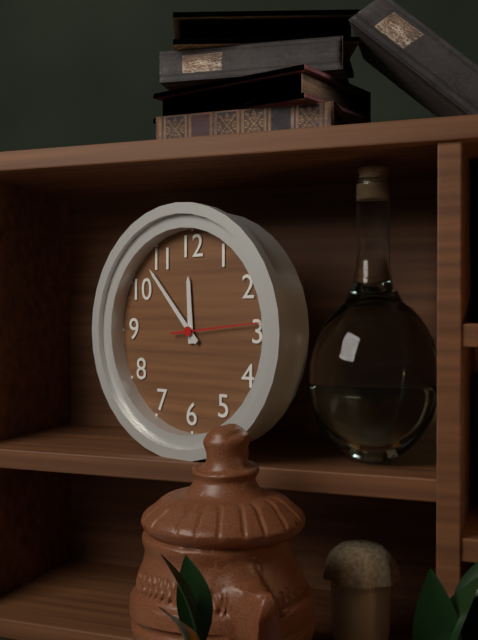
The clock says 11.53.14
